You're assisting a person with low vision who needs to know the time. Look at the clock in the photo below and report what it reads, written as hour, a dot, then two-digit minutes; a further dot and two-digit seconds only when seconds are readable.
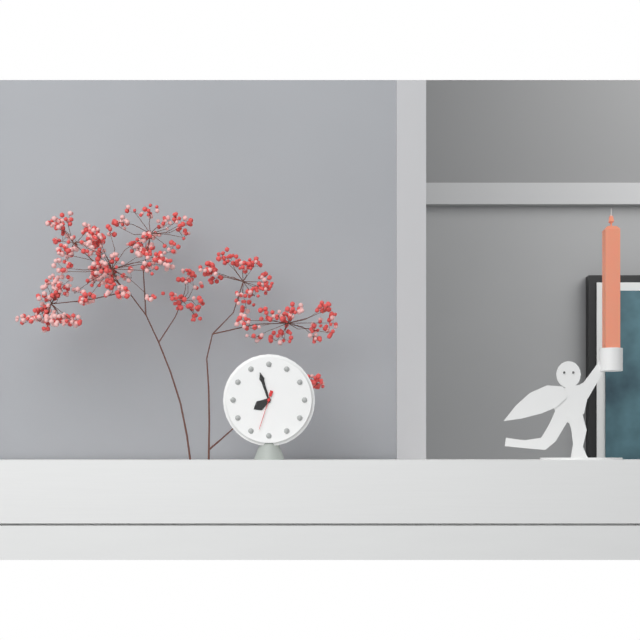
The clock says 7.57
